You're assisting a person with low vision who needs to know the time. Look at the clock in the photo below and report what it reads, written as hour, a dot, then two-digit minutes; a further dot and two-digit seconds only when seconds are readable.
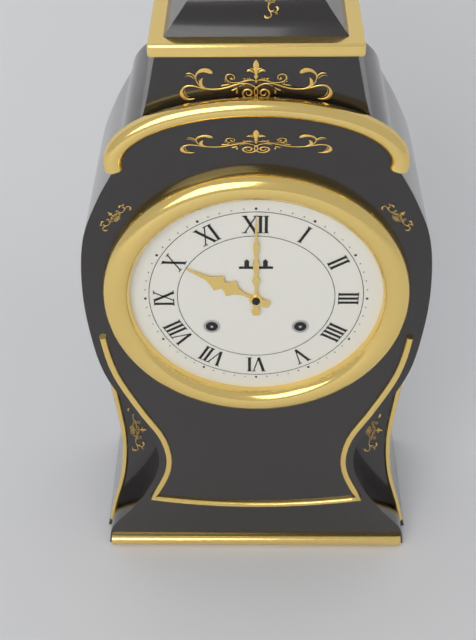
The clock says 10.00
